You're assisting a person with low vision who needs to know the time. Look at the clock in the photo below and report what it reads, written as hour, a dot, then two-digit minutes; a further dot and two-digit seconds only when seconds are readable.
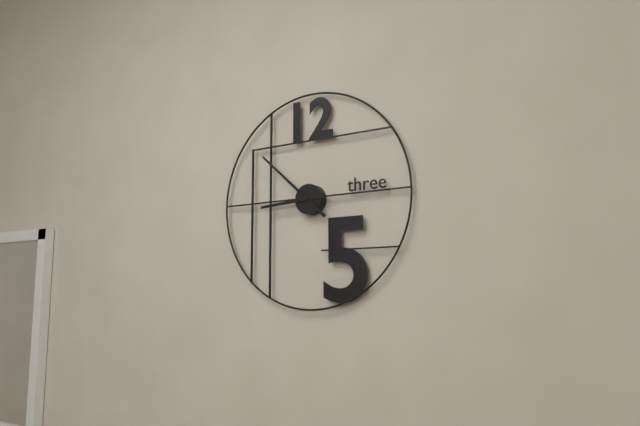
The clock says 8.52
